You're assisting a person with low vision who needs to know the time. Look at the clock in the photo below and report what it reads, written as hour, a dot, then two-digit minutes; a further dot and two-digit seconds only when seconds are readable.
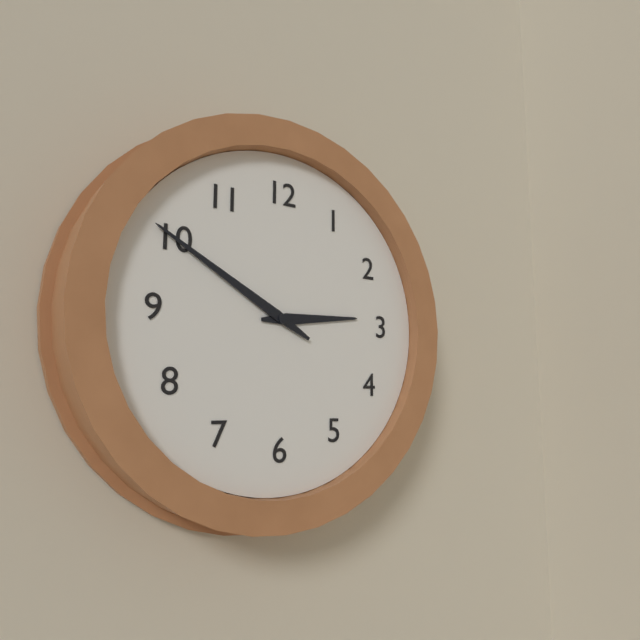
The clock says 2.50
